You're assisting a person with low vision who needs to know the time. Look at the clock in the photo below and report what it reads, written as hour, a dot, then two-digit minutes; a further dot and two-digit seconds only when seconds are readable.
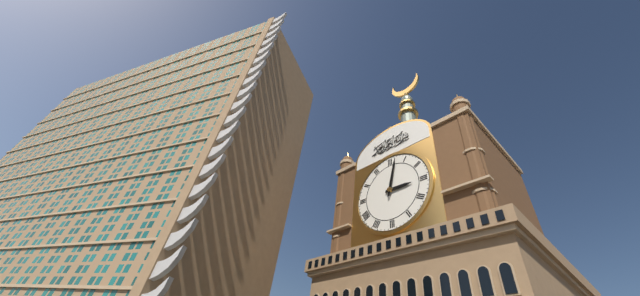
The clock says 3.02
